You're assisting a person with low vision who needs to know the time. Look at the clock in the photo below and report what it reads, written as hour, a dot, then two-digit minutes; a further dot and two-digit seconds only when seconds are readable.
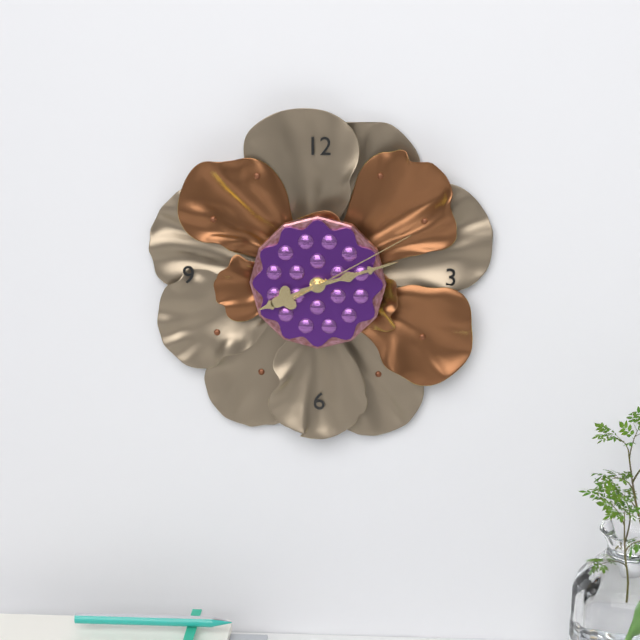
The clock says 8.12.10
